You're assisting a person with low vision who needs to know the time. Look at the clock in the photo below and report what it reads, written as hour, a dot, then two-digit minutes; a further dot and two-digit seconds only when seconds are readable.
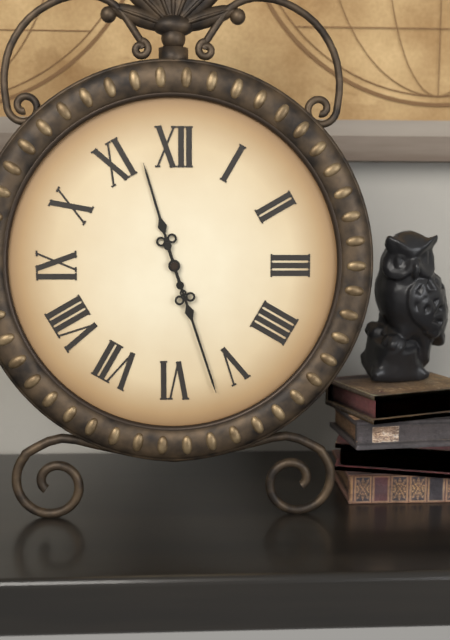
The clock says 11.27
